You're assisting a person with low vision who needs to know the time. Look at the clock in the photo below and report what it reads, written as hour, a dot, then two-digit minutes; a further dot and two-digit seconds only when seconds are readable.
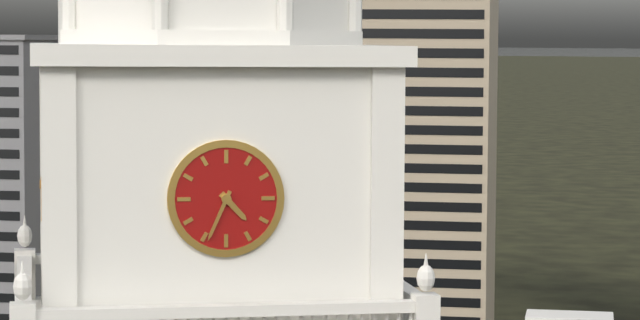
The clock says 4.34
